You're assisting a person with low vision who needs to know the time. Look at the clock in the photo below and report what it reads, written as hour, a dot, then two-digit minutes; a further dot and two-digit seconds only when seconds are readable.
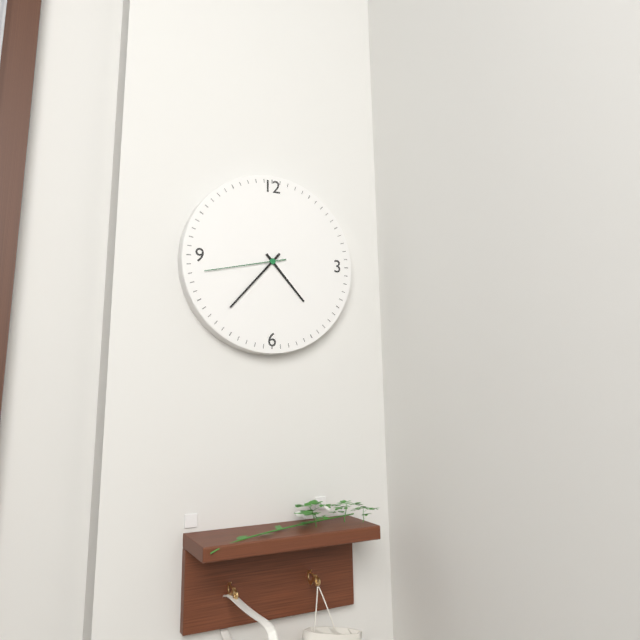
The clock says 4.37.43
